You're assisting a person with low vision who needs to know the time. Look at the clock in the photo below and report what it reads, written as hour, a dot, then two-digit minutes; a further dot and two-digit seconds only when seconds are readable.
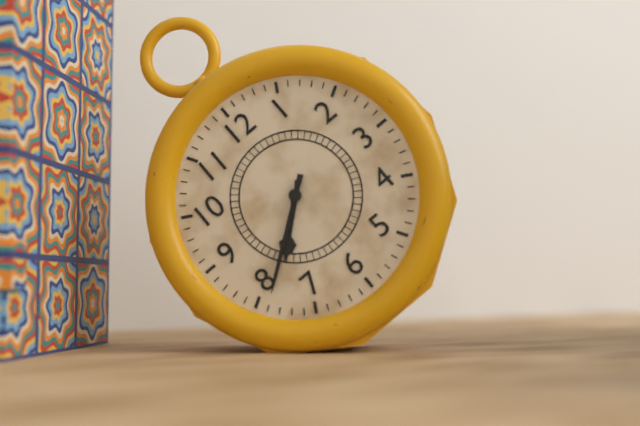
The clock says 7.39
